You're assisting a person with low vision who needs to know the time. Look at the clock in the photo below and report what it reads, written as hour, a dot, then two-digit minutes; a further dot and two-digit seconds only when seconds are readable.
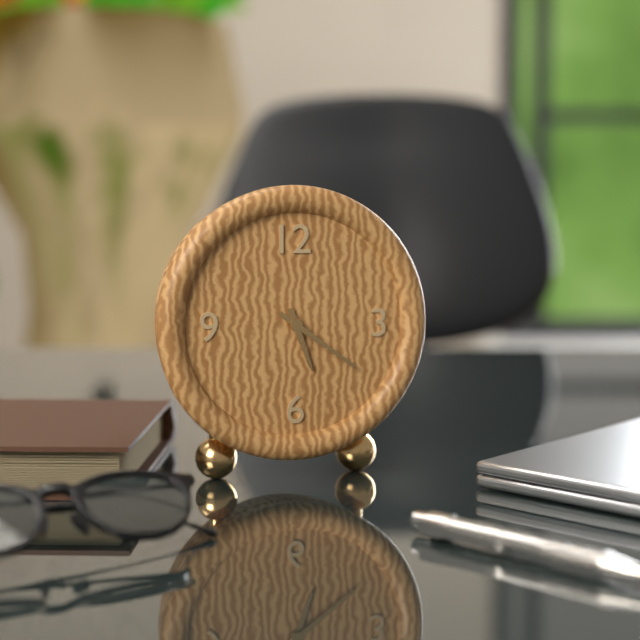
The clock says 5.21
